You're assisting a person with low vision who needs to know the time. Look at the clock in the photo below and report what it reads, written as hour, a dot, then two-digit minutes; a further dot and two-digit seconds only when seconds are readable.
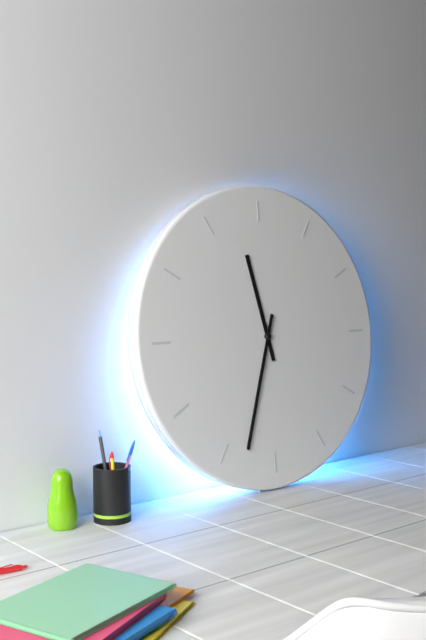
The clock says 11.33
